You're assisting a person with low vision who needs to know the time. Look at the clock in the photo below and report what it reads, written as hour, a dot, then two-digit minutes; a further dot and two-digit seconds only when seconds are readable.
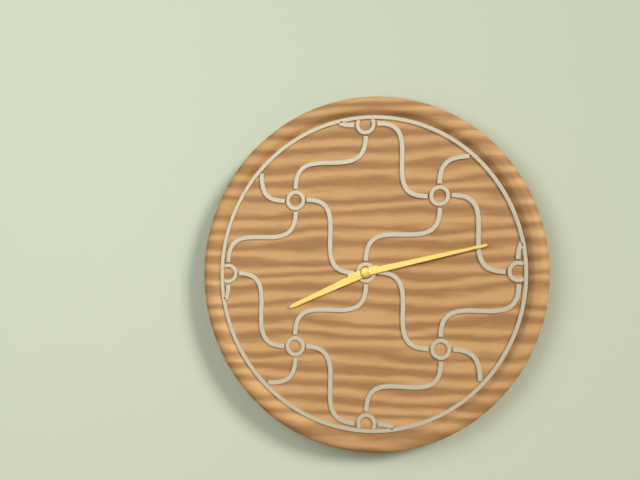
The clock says 8.13
